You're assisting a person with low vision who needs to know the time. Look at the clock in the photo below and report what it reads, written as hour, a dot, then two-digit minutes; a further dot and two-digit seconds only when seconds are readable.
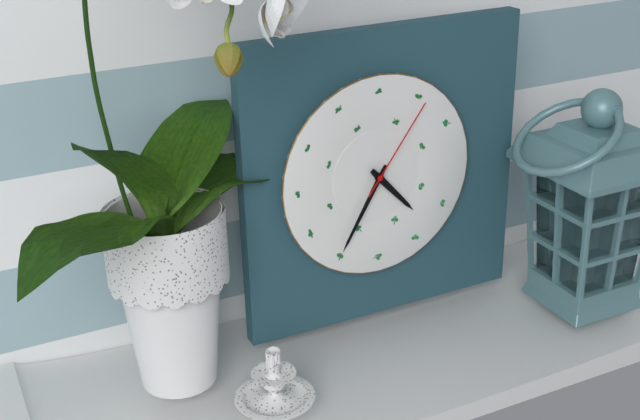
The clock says 4.35.06
